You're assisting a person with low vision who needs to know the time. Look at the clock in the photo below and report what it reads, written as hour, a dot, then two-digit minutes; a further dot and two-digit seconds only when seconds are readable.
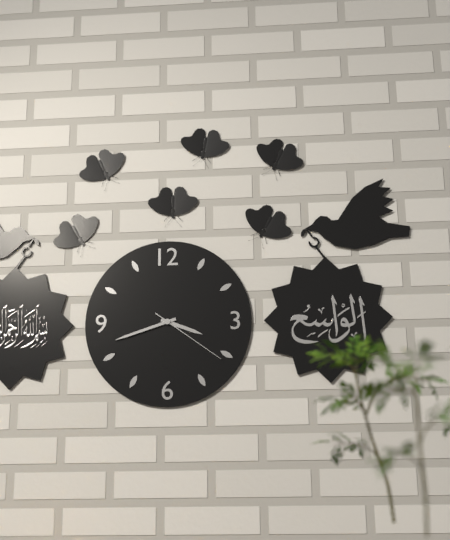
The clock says 3.42.21
